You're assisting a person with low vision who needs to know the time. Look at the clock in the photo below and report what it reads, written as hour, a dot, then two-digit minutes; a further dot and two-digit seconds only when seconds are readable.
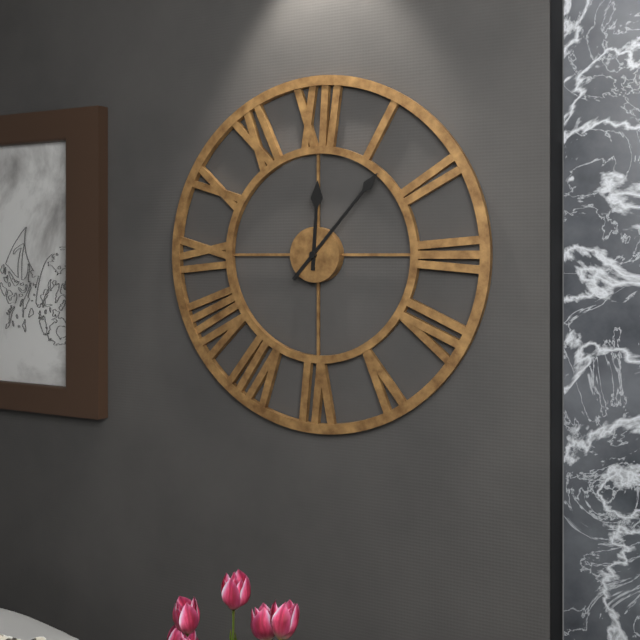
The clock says 12.07
